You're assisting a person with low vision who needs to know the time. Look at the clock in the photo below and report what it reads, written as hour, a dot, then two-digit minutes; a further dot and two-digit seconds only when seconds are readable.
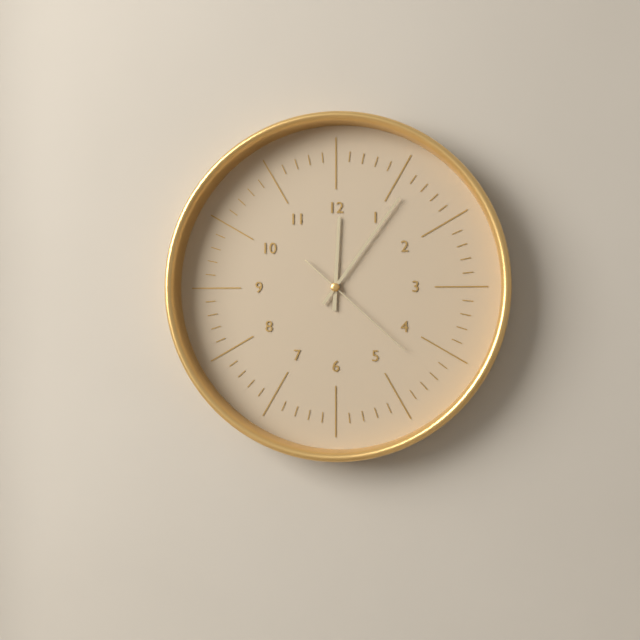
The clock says 12.06.22
